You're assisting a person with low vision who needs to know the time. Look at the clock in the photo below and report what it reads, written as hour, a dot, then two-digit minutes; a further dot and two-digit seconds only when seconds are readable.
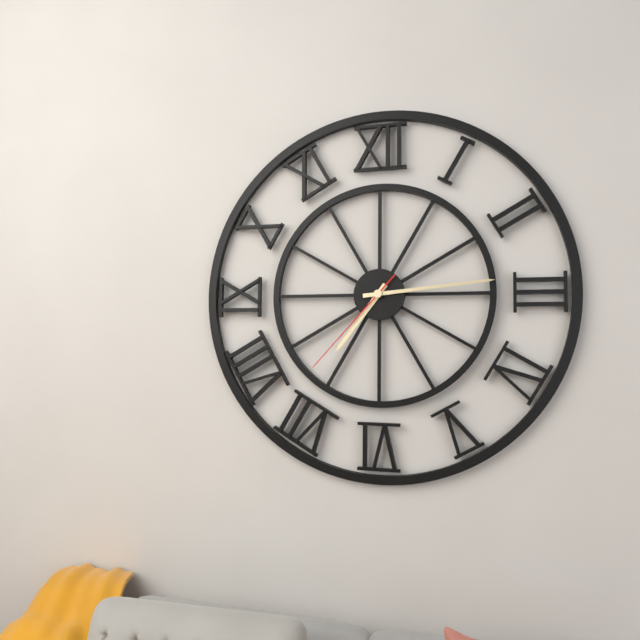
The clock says 7.14.37
